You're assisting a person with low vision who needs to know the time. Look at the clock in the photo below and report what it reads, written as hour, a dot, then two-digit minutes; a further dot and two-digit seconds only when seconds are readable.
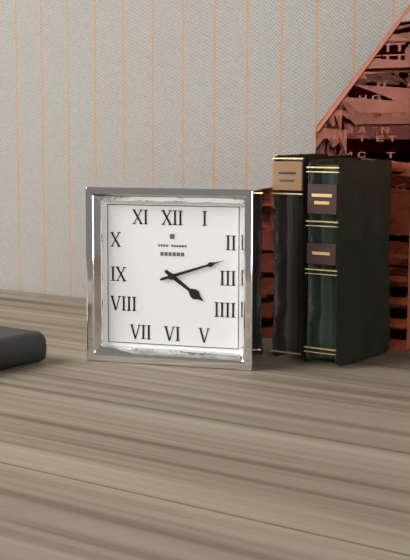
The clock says 4.12
